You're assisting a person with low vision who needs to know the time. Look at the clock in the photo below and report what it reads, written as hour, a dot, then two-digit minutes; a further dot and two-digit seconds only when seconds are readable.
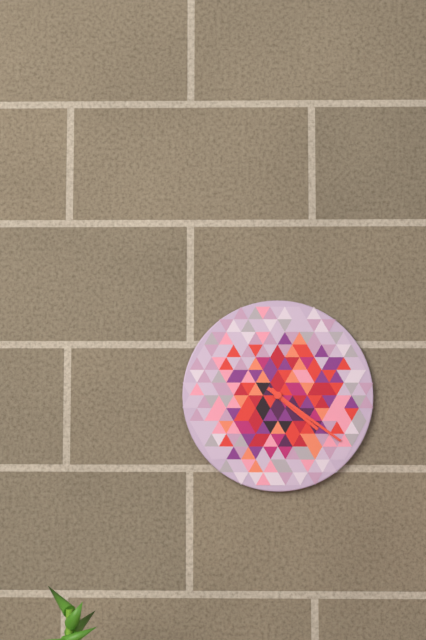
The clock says 4.21
